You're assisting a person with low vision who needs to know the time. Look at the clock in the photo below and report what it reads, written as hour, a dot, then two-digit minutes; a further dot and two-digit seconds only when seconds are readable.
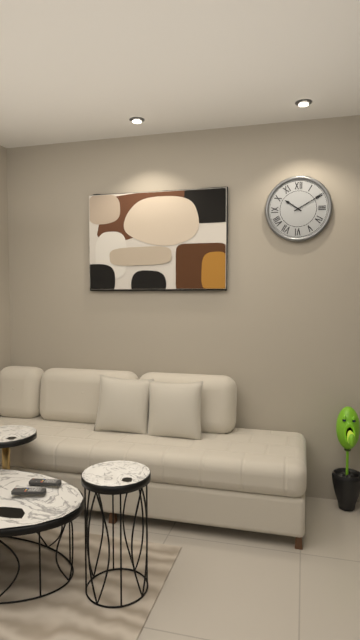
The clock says 10.10
